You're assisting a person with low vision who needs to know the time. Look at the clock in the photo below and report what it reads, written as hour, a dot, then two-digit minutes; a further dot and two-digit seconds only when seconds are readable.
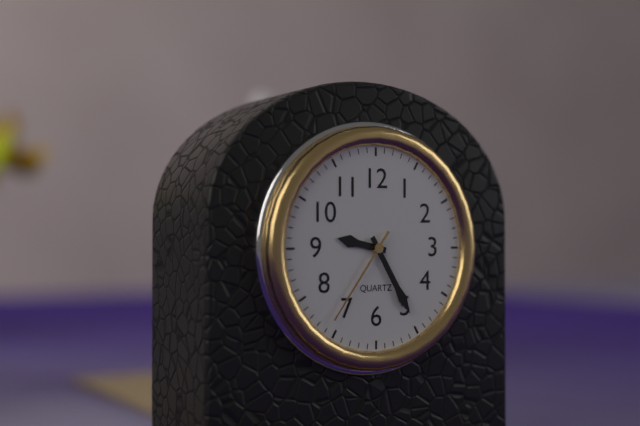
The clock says 9.25.36
